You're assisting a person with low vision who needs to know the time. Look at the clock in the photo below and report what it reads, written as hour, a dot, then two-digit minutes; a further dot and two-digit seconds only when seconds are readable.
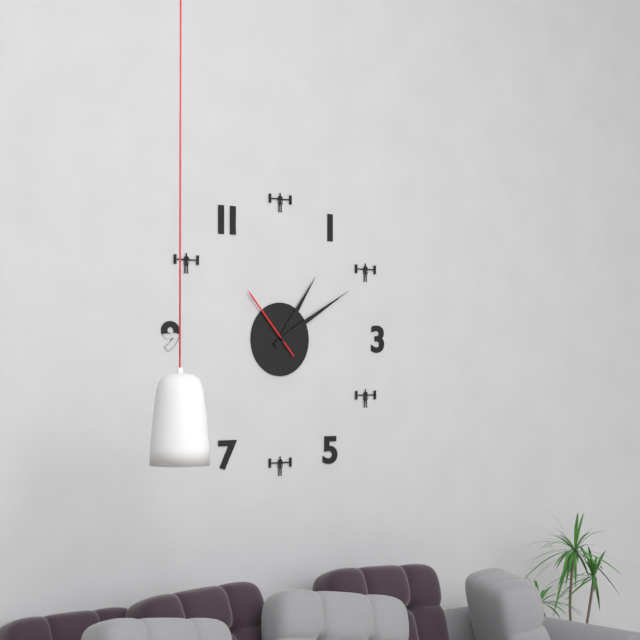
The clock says 1.10.53
